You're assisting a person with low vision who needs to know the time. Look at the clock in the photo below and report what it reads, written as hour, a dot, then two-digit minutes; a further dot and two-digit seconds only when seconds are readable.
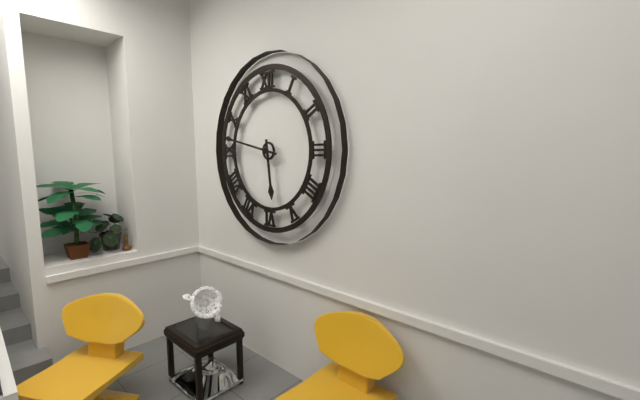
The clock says 5.47
